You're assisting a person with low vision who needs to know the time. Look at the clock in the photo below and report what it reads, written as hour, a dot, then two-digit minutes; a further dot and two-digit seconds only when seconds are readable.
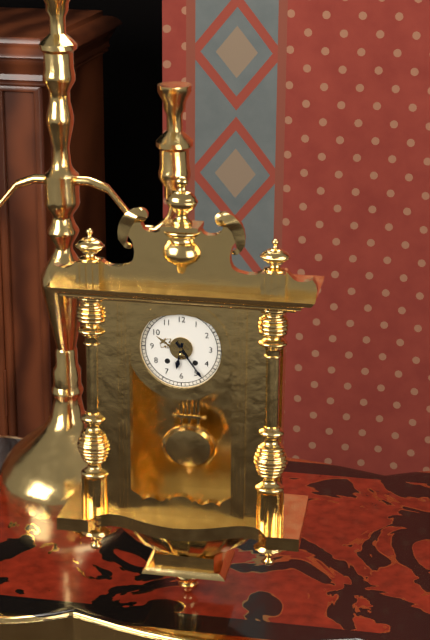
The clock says 6.24
